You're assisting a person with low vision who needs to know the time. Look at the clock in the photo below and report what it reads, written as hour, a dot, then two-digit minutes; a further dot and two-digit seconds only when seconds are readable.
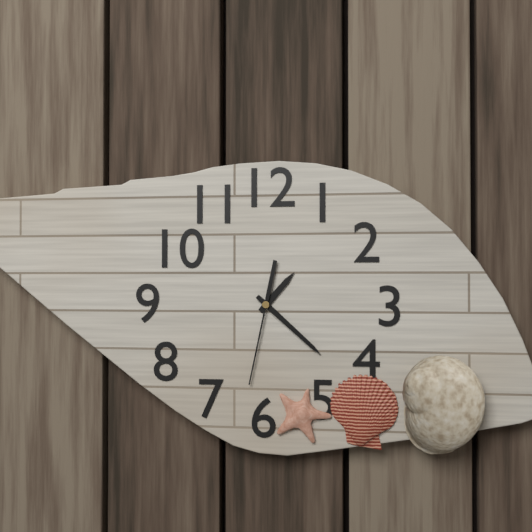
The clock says 1.22.32
